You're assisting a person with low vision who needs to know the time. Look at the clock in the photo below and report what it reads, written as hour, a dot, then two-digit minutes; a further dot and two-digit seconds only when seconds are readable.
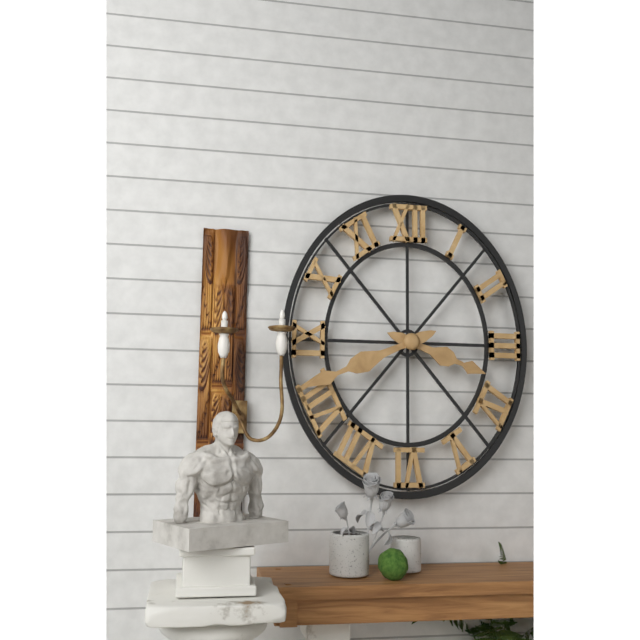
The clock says 3.41
